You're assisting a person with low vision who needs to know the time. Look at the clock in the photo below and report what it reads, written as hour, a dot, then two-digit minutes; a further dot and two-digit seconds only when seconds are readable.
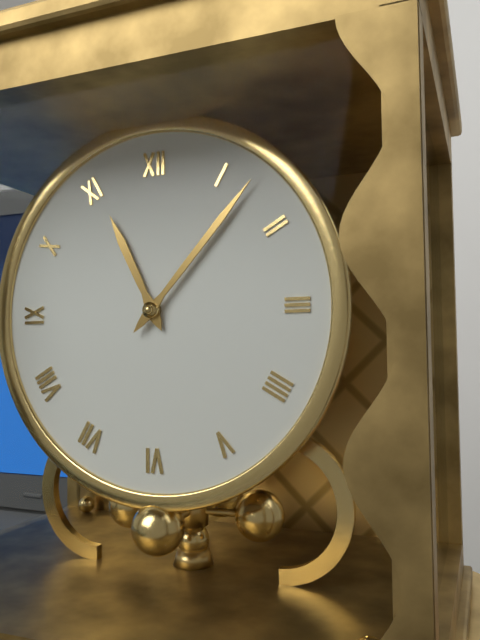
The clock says 11.07
